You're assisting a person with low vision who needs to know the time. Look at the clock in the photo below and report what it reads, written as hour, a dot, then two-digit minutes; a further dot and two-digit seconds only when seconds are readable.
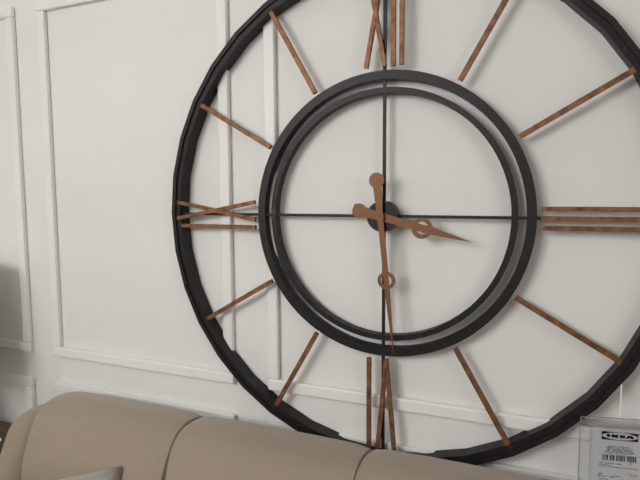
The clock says 3.29
